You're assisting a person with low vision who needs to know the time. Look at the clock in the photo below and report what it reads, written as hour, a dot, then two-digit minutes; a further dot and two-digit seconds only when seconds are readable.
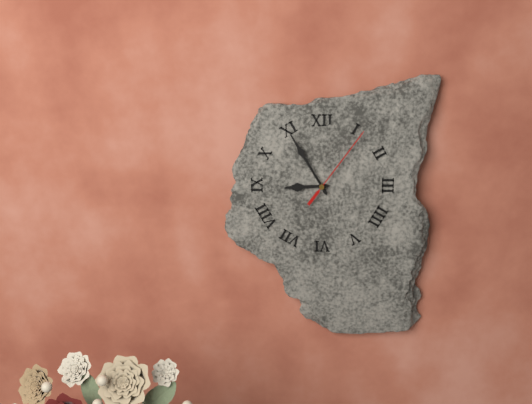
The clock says 8.55.06
